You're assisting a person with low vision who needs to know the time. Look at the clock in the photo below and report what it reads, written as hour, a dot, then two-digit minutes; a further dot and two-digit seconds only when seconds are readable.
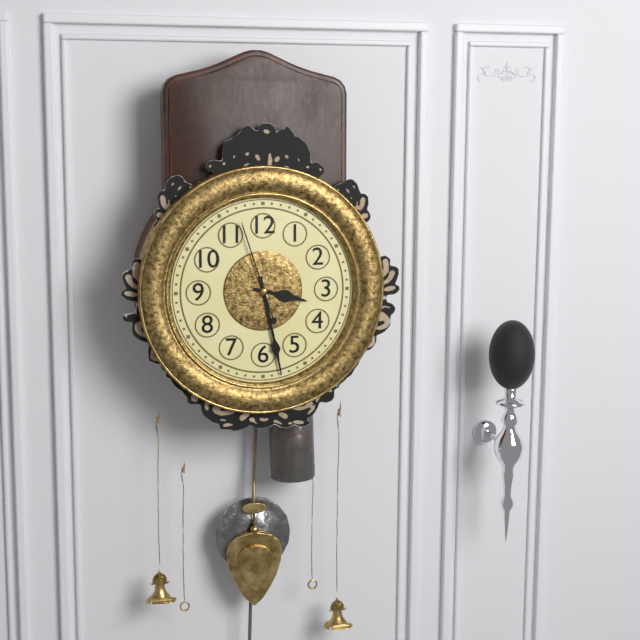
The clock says 3.28.57
